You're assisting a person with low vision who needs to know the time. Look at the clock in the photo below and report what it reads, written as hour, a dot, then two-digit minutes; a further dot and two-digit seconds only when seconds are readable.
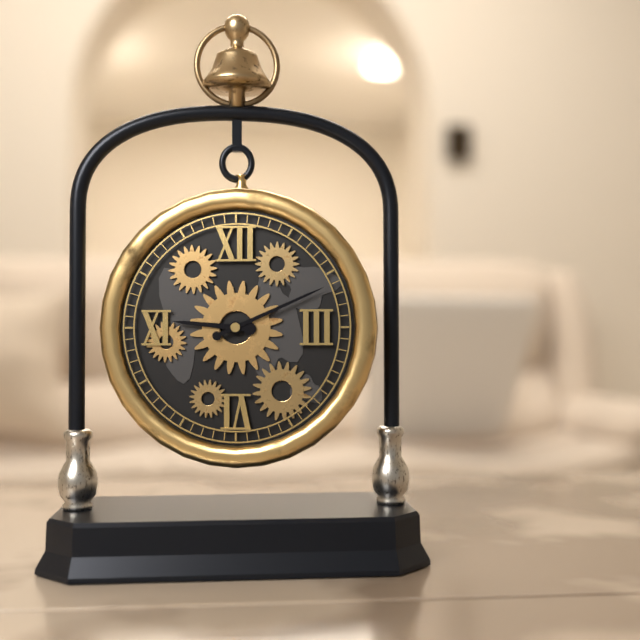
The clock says 9.11
